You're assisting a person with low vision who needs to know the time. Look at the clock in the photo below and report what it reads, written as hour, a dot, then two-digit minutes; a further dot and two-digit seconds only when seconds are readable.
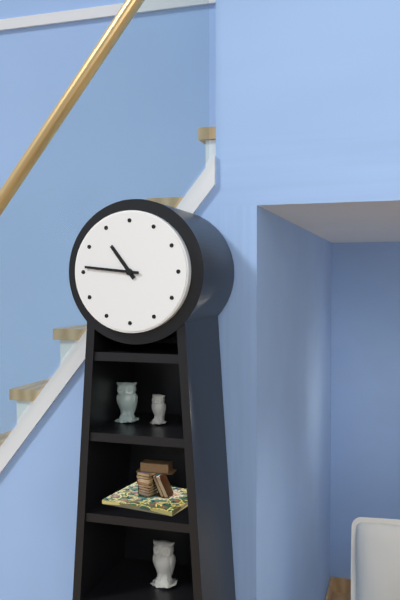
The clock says 10.46
